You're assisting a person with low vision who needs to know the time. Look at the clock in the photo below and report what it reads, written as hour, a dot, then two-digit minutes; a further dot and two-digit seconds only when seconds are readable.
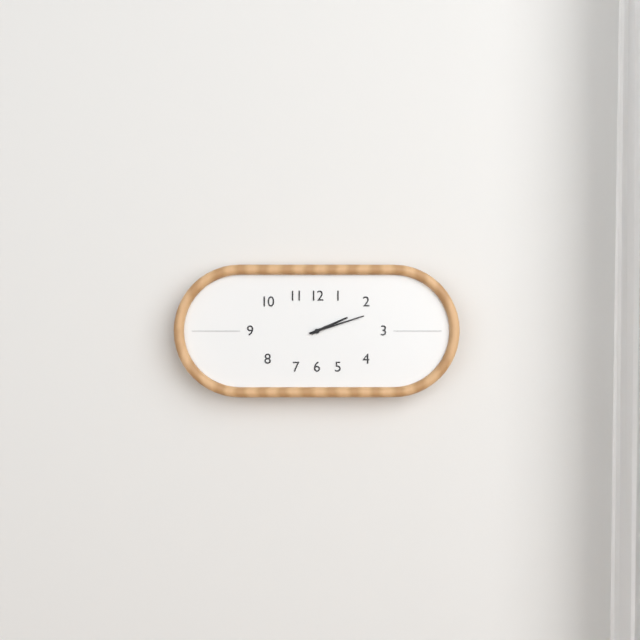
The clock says 2.12
